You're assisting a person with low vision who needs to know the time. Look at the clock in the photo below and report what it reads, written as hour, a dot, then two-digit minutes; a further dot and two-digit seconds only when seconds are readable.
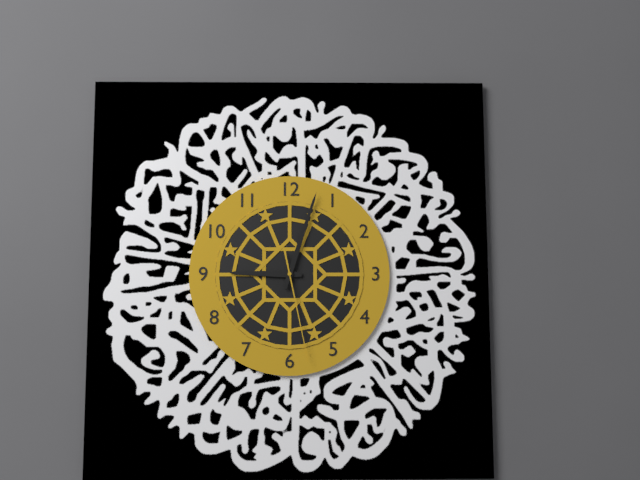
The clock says 9.03.28
